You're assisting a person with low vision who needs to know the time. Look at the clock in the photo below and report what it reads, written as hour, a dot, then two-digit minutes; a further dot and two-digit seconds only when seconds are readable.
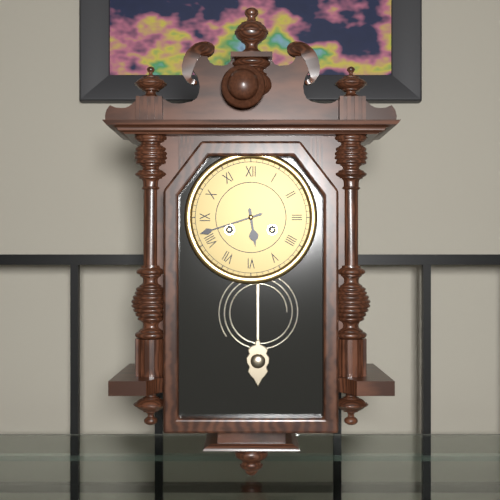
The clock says 5.42
